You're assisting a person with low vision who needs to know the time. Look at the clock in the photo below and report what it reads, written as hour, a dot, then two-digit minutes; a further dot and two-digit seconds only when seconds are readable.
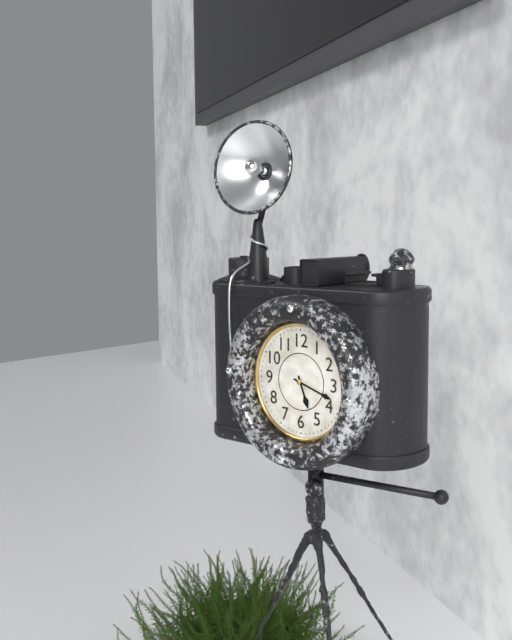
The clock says 5.18
